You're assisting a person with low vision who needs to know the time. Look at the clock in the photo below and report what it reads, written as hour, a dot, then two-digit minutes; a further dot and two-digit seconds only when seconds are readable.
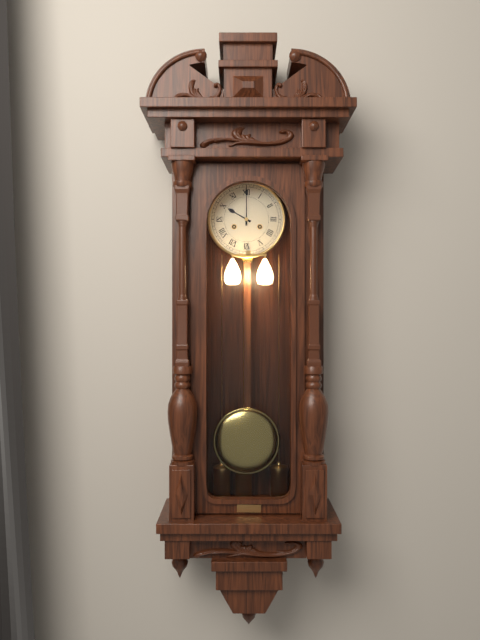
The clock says 10.00
